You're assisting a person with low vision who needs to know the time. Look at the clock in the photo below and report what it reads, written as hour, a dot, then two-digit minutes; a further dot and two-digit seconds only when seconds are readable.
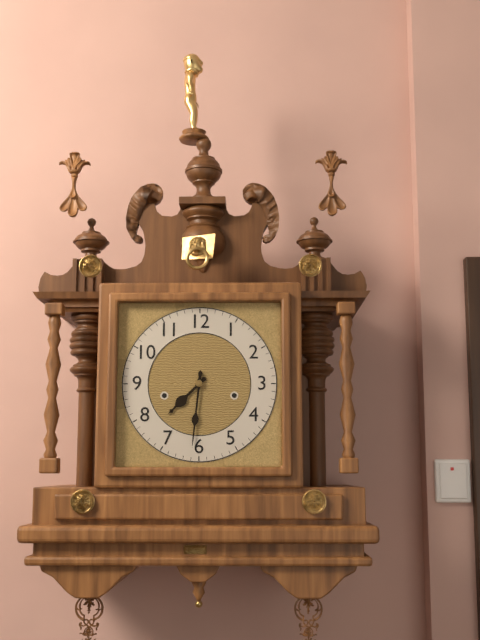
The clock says 7.31
